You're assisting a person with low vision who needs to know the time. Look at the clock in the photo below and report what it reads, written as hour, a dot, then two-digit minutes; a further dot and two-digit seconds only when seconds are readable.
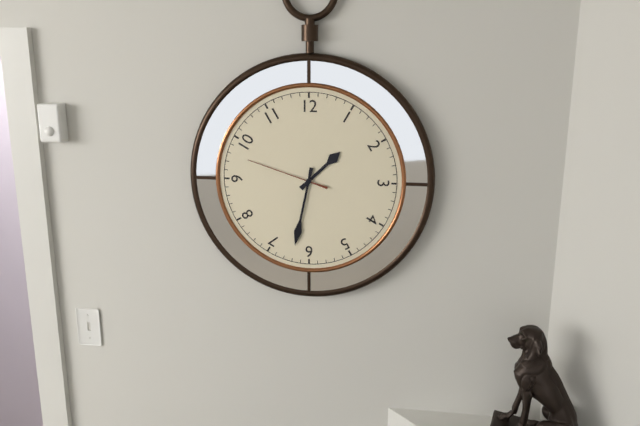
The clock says 1.32.48
